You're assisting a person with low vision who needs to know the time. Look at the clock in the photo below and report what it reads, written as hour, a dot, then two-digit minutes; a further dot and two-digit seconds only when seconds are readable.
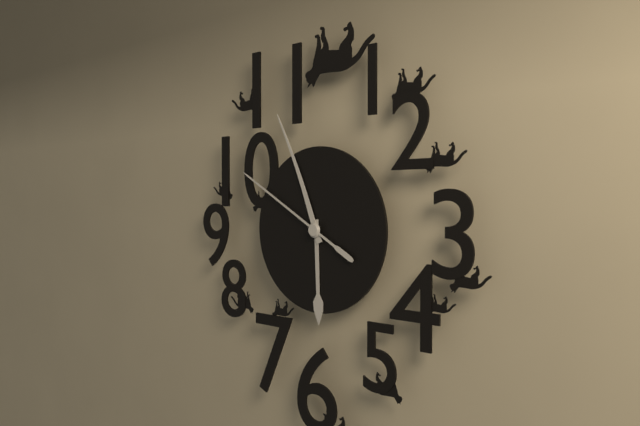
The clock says 5.56.50
